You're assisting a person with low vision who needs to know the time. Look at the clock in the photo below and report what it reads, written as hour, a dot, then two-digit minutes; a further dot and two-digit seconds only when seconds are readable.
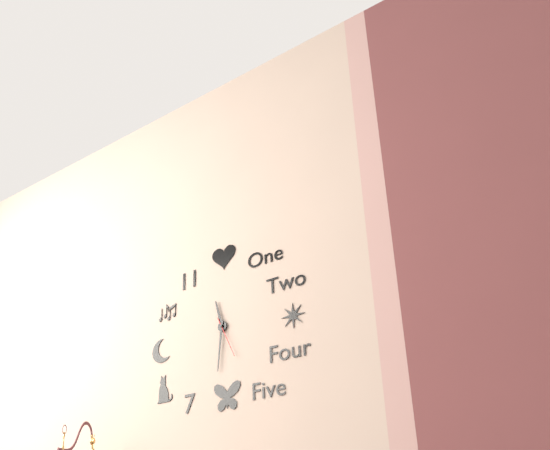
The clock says 11.31
